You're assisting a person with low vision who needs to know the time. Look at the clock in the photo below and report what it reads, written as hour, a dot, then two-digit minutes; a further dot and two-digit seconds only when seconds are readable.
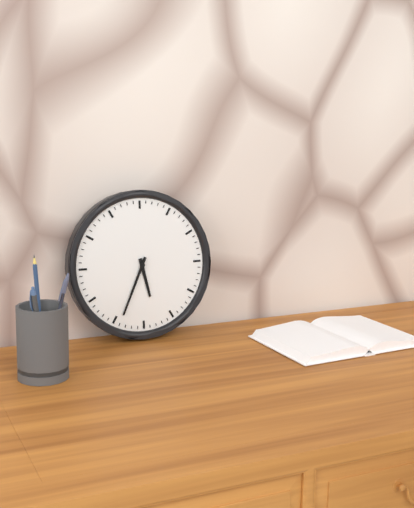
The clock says 5.34
